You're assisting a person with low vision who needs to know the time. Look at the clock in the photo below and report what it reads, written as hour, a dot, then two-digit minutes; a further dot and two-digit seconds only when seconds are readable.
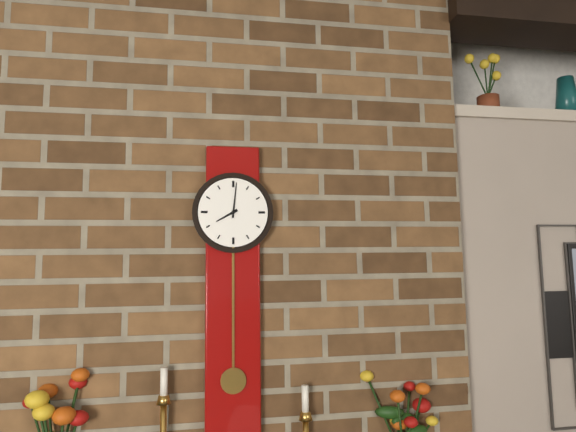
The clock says 8.01
